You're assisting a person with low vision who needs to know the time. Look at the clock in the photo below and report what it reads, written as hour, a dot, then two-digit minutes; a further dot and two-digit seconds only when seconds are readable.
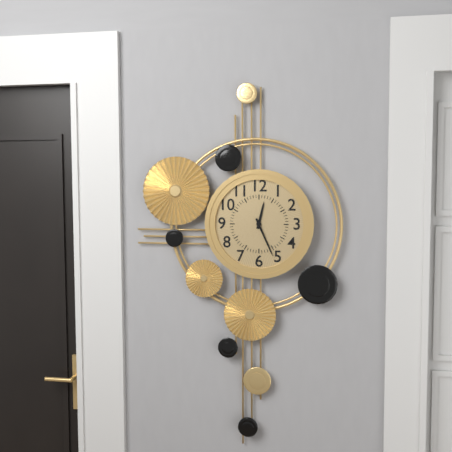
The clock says 12.26
